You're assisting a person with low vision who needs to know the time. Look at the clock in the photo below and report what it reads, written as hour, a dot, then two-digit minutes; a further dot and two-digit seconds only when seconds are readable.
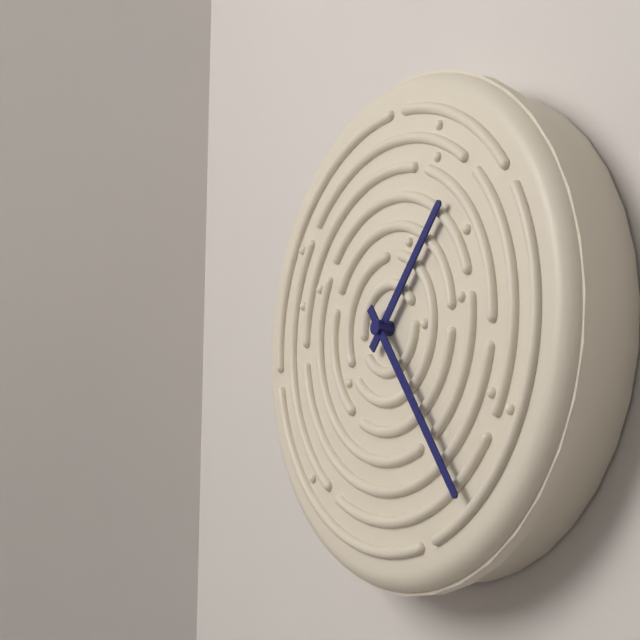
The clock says 1.24
